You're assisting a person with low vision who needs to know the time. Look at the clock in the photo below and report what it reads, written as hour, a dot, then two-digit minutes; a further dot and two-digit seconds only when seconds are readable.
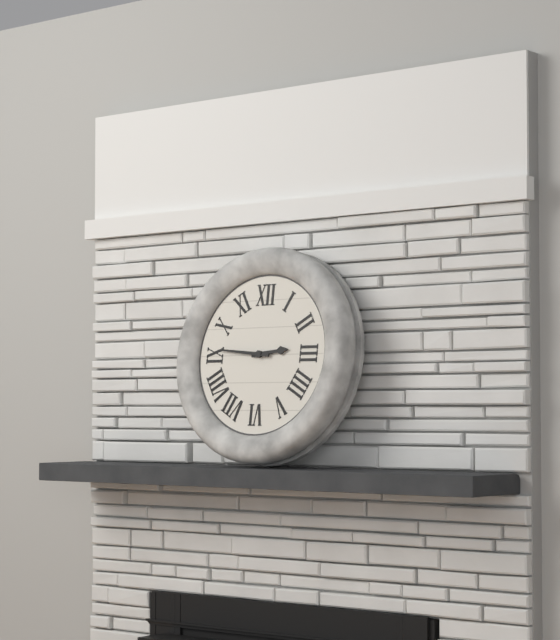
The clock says 2.46
